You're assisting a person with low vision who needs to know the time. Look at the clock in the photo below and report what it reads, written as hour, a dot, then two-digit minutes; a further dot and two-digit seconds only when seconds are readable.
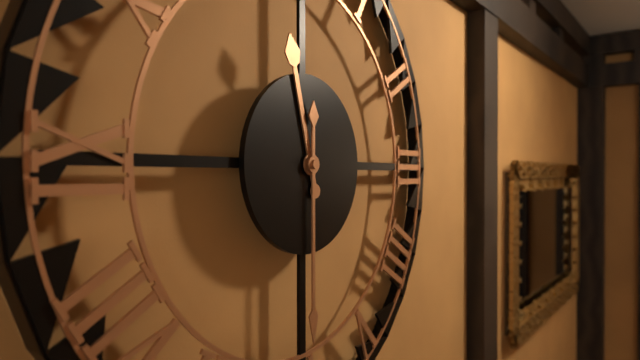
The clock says 11.30
